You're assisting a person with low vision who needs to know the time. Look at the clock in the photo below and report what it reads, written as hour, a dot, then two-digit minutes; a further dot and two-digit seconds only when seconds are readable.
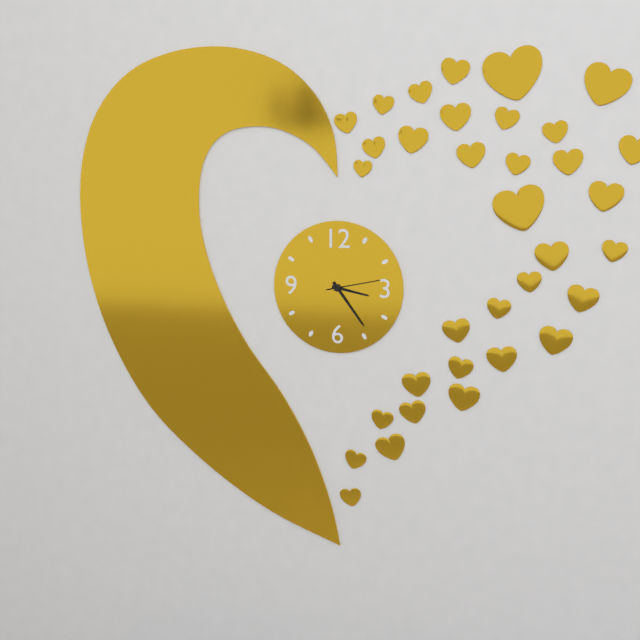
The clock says 3.24.13
